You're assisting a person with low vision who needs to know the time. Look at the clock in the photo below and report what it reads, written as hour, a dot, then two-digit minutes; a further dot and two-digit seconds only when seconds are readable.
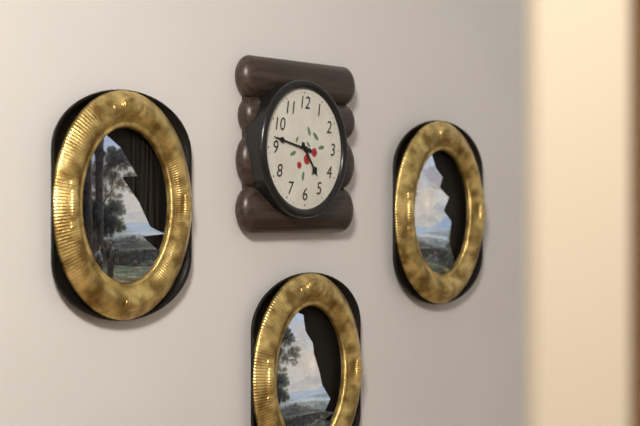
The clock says 4.47
